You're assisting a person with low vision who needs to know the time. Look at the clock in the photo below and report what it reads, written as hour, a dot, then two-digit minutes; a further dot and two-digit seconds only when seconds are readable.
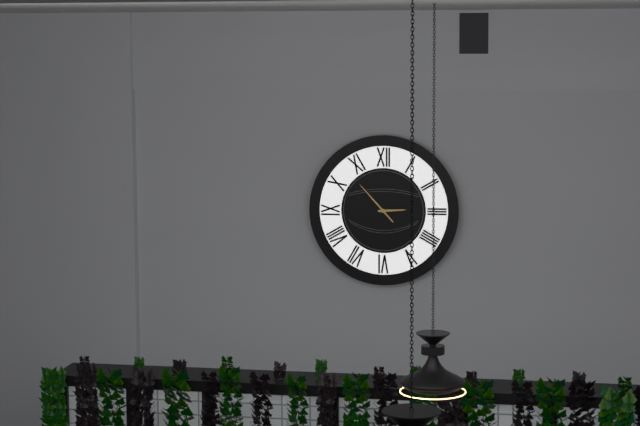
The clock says 2.53
